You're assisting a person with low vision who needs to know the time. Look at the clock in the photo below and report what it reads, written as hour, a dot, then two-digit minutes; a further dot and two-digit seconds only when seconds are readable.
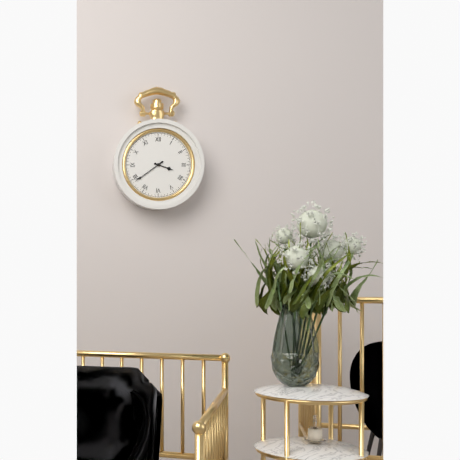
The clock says 3.39
